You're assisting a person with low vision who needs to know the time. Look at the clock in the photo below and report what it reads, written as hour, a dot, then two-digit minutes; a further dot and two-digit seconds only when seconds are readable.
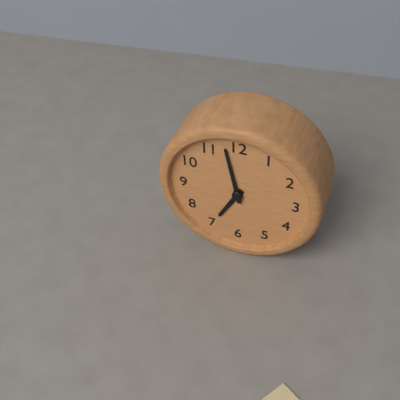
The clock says 6.58
